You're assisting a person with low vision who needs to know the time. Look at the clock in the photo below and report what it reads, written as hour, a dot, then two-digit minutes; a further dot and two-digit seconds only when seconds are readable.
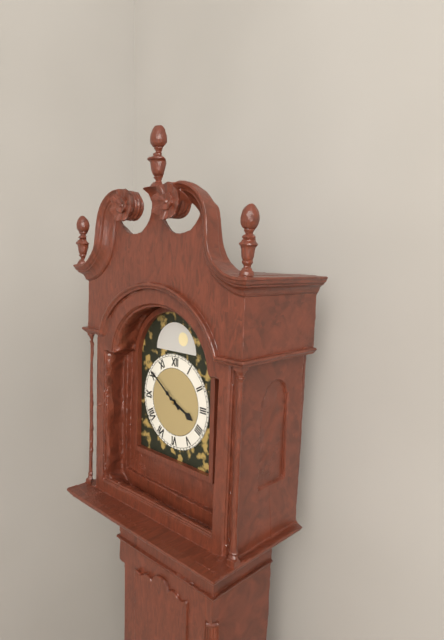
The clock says 3.51
